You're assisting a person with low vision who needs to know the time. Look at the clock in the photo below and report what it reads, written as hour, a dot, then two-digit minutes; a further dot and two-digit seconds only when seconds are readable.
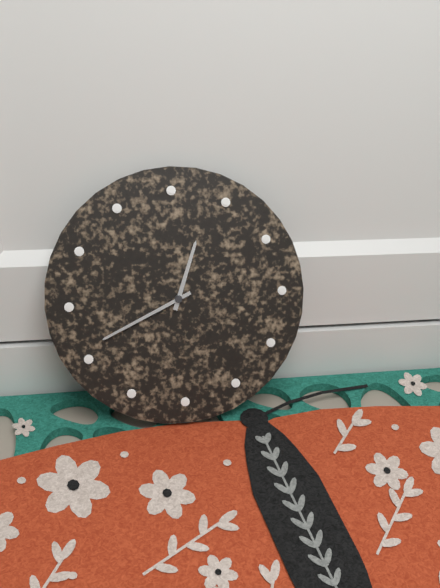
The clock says 12.41
